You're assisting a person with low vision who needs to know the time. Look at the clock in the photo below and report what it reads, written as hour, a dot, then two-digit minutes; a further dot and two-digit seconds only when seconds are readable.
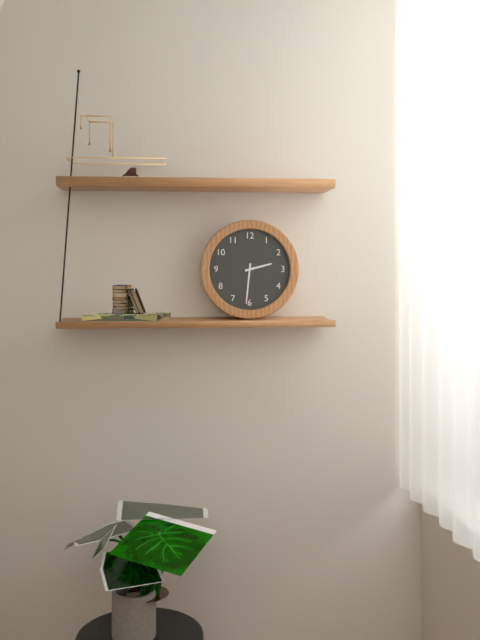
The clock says 2.31
